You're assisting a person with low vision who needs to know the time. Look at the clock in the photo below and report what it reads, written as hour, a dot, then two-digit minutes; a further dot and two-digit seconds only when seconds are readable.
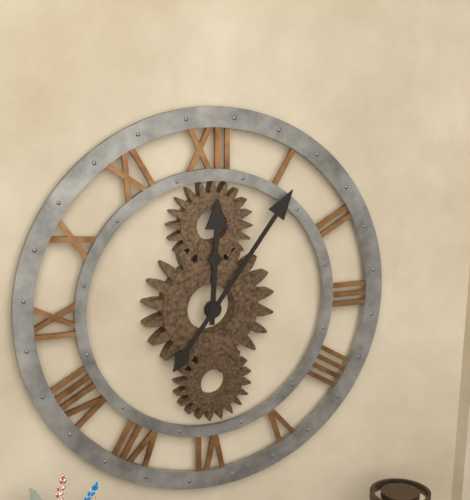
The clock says 12.06
